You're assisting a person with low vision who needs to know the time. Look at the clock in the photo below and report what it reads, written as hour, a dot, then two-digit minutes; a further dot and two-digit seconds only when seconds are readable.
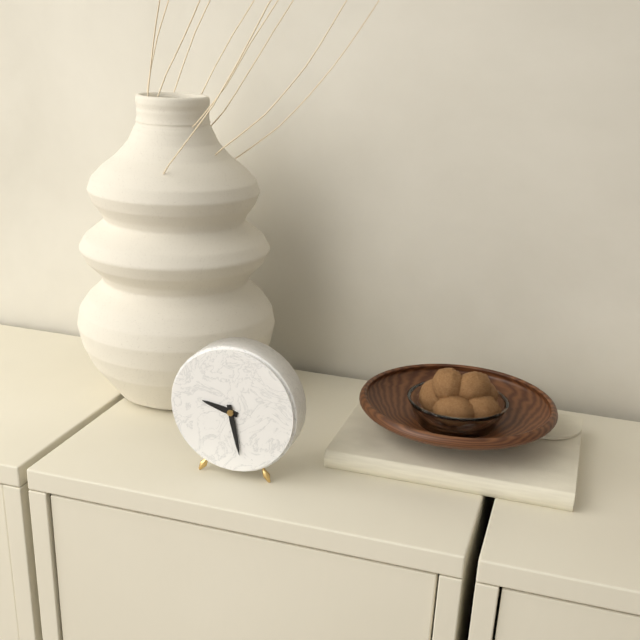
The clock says 9.28
